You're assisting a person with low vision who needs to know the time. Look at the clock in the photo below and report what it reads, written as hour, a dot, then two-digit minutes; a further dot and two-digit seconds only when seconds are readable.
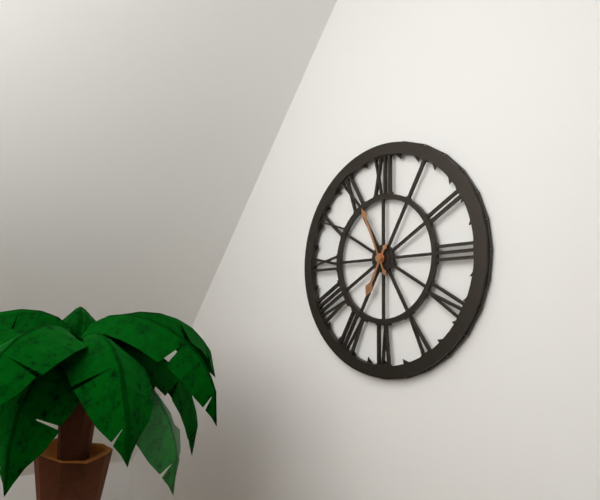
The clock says 6.56
